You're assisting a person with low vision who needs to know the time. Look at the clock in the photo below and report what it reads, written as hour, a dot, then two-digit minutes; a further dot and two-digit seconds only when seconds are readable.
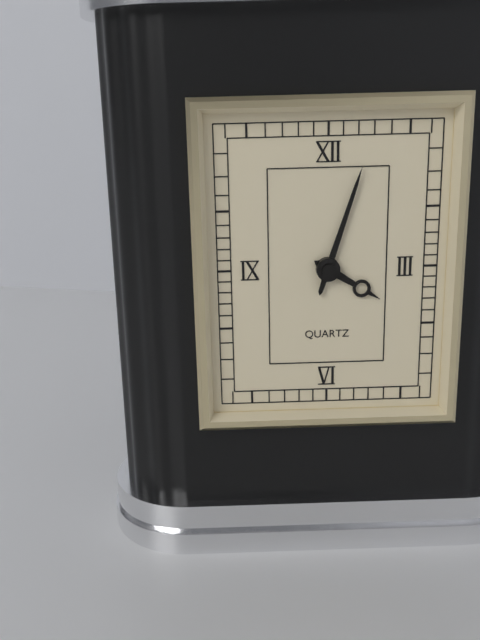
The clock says 4.03
